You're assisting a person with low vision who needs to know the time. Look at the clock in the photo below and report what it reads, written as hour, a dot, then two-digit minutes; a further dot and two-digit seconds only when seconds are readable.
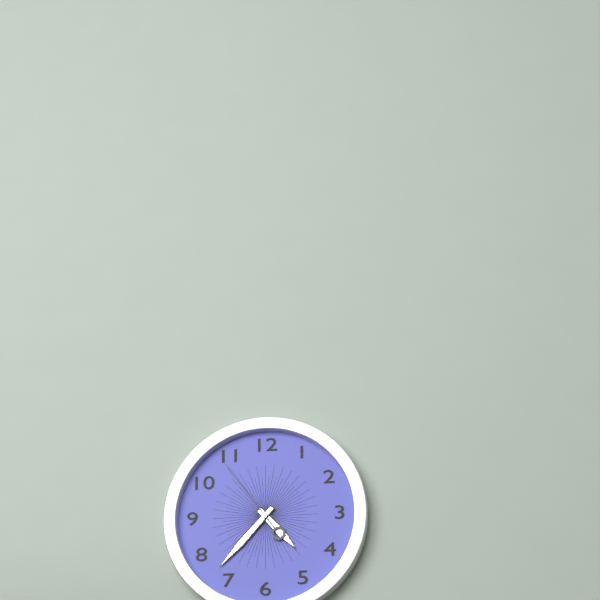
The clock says 4.37.54
